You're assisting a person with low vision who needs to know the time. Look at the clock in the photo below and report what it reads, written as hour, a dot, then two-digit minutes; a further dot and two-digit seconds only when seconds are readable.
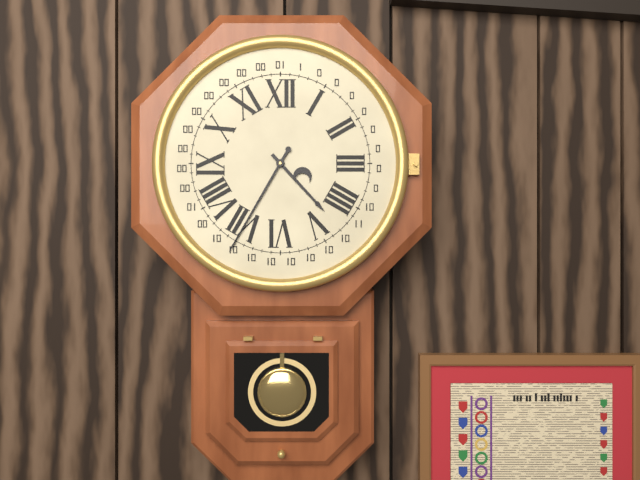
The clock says 4.35
